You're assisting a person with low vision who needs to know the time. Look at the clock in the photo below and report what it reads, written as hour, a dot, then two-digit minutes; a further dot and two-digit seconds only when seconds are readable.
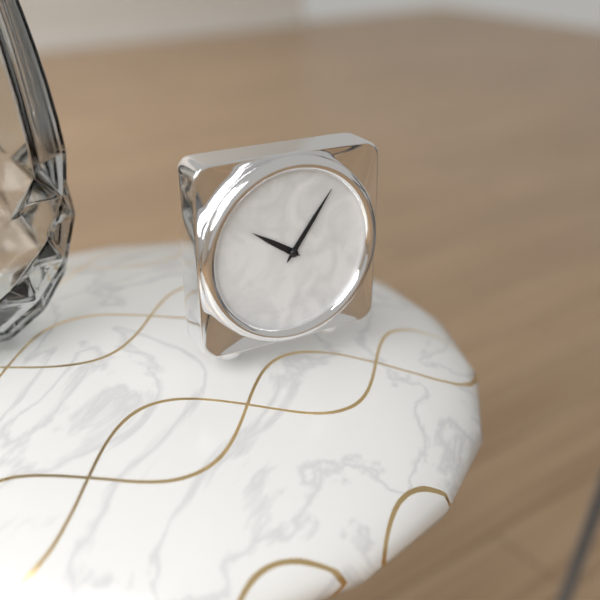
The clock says 10.06
